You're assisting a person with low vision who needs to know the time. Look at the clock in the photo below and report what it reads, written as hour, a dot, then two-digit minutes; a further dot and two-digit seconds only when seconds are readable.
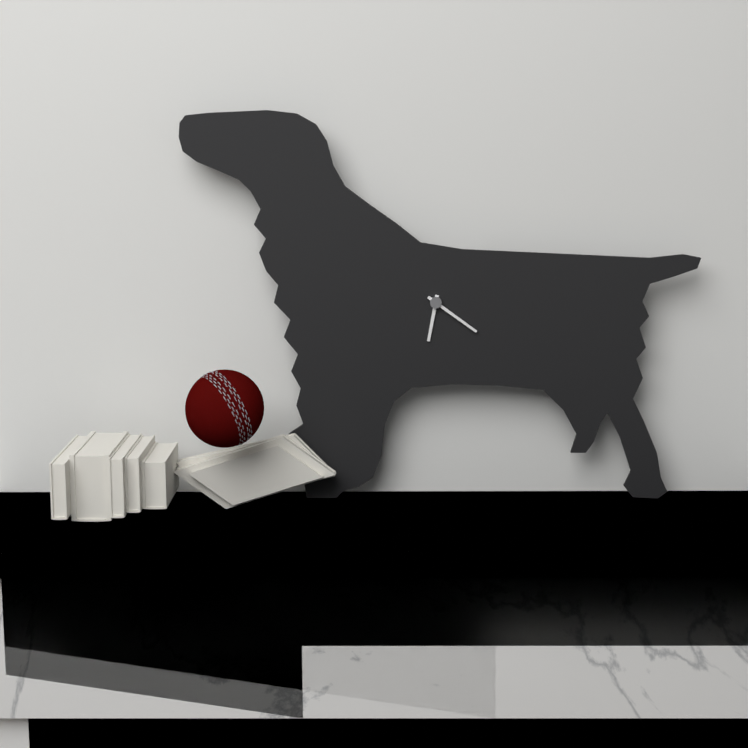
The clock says 6.21
